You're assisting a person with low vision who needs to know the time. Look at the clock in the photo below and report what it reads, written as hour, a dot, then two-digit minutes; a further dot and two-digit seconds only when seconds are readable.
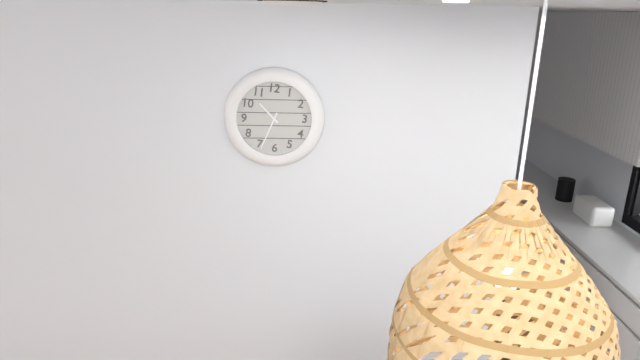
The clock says 10.34
